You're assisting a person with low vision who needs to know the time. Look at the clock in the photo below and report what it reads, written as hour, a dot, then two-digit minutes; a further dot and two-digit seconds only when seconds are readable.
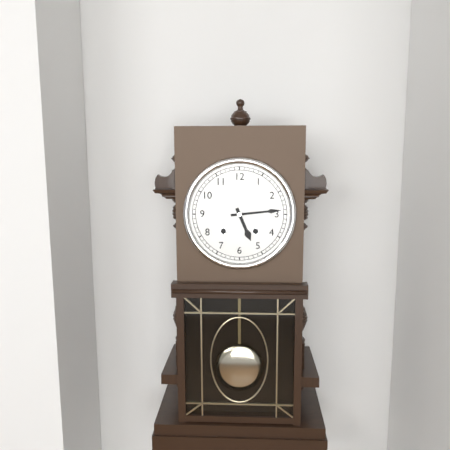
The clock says 5.14
